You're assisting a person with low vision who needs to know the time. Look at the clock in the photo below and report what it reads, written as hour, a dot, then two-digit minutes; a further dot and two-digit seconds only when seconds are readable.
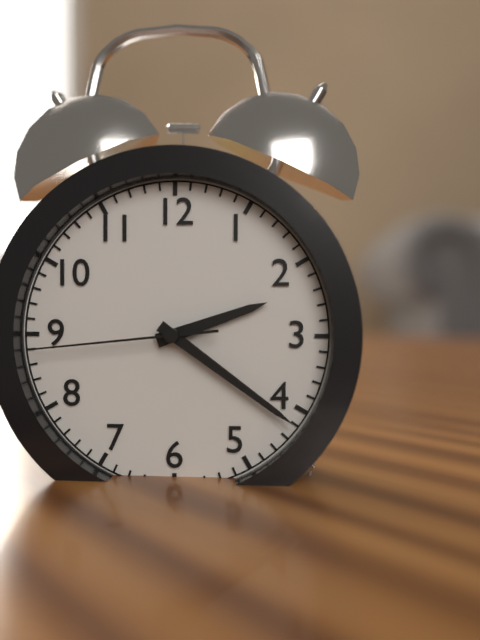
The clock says 2.21.44
